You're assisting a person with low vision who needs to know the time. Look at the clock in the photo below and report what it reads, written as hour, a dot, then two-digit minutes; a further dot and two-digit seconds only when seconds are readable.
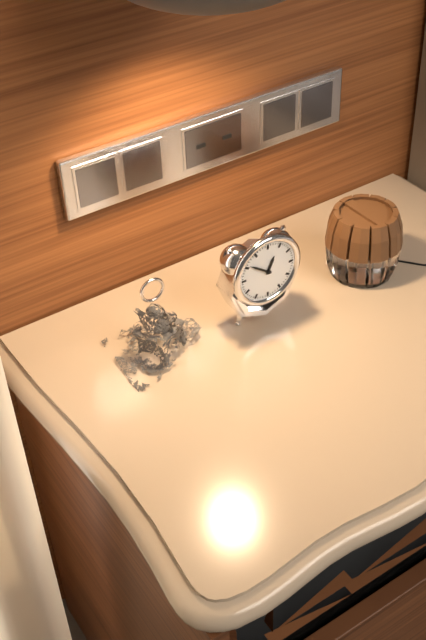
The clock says 12.51
